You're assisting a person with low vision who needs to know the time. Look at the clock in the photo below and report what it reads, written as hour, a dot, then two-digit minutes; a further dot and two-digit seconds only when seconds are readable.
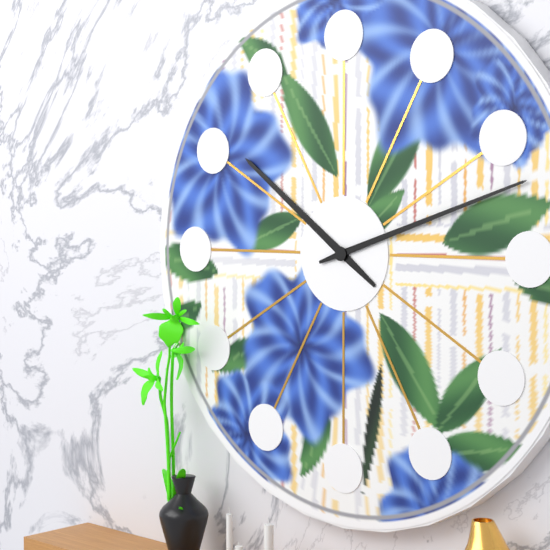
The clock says 10.12
